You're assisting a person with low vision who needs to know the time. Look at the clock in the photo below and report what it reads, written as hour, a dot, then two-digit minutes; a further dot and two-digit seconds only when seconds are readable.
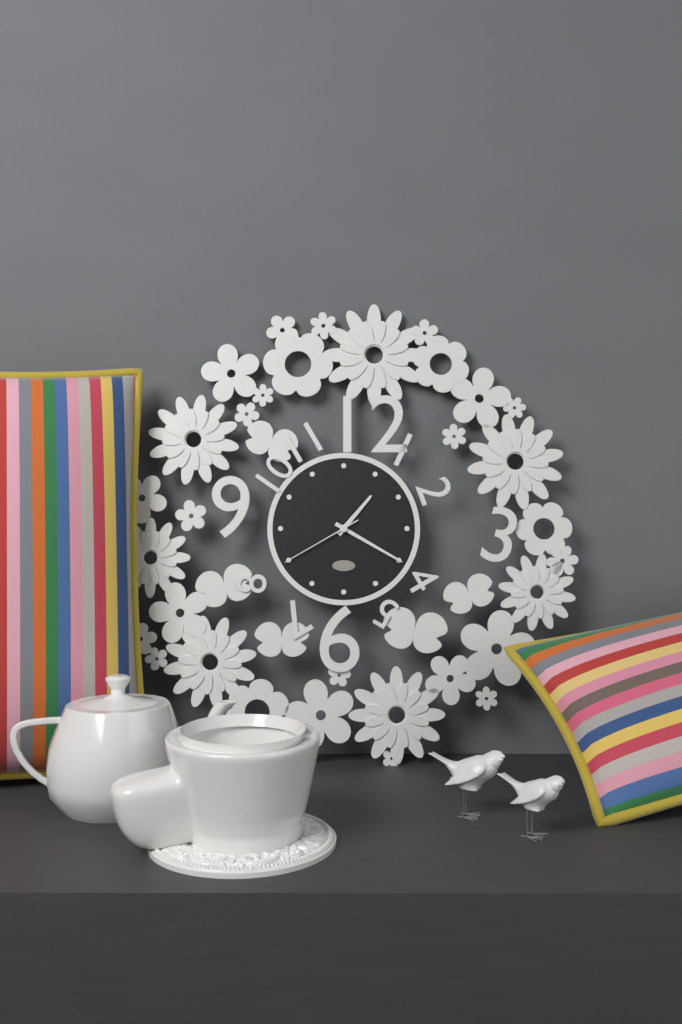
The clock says 1.20.40
